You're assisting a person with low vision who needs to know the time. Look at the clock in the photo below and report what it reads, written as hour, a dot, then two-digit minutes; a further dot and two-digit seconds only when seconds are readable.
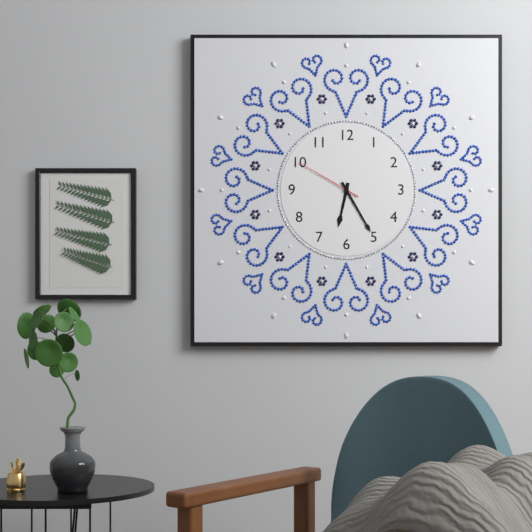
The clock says 6.25.50
